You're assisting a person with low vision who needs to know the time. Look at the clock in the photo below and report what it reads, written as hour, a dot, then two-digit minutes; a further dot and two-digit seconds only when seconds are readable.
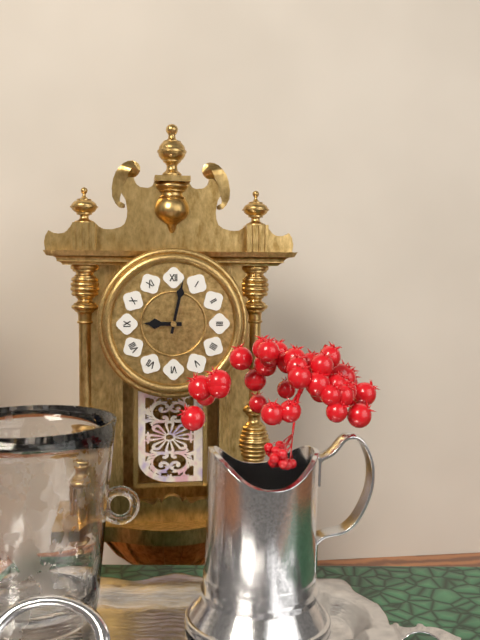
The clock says 9.02
